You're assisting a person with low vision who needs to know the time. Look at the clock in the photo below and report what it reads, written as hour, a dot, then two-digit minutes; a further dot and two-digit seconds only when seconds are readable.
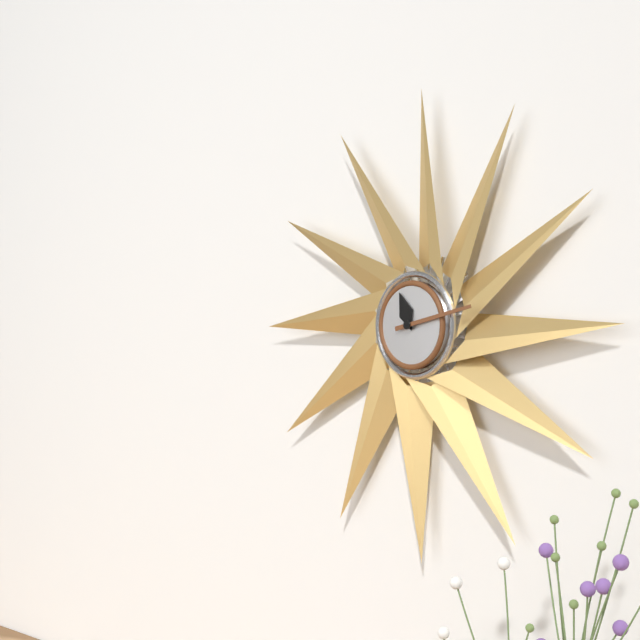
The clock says 11.13
